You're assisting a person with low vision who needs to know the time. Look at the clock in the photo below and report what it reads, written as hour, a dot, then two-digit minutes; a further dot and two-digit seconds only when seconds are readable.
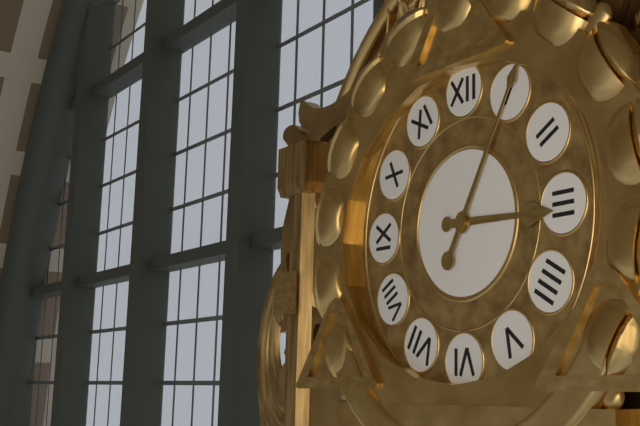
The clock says 3.05
